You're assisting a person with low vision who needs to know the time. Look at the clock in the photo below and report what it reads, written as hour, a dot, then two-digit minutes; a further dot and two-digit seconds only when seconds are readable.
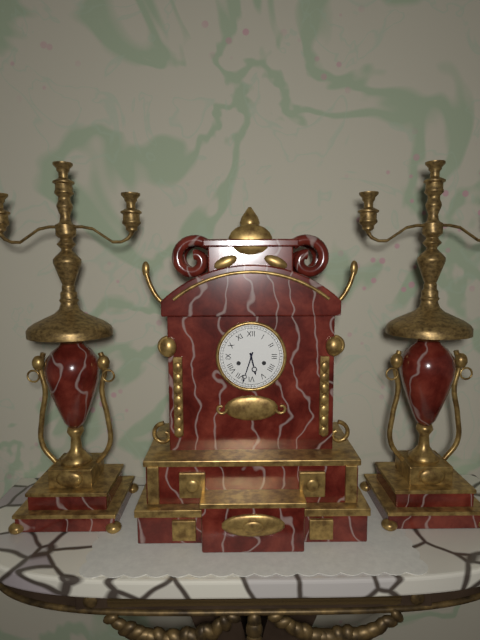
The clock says 5.33
